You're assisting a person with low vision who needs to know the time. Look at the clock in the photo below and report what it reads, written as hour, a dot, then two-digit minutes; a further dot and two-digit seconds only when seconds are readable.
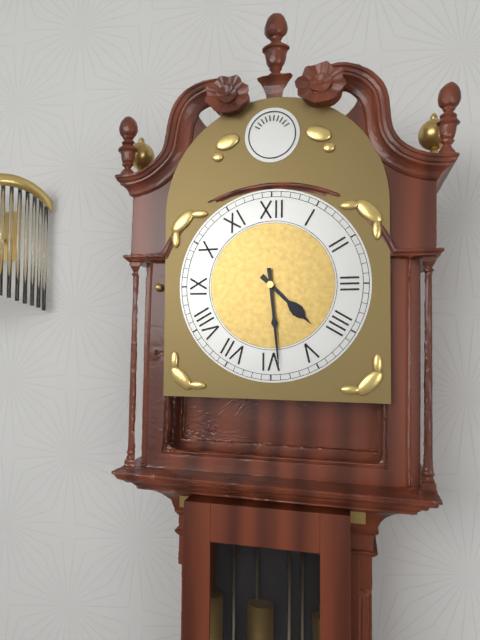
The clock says 4.29
